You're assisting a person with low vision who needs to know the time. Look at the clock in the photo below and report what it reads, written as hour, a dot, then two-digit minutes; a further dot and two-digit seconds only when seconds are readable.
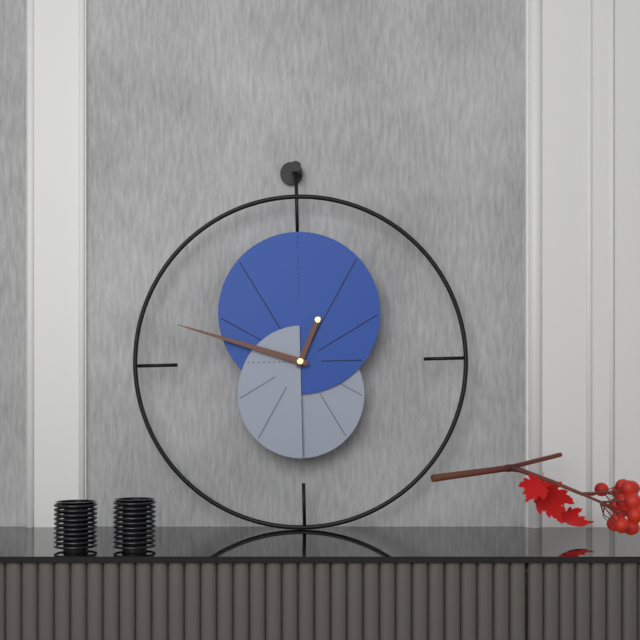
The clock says 12.48
